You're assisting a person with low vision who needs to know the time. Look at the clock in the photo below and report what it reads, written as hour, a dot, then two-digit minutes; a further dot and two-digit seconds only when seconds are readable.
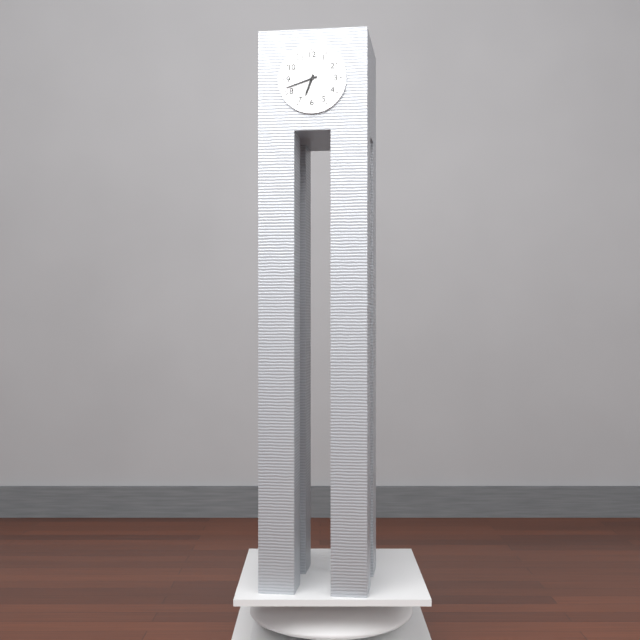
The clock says 6.42
